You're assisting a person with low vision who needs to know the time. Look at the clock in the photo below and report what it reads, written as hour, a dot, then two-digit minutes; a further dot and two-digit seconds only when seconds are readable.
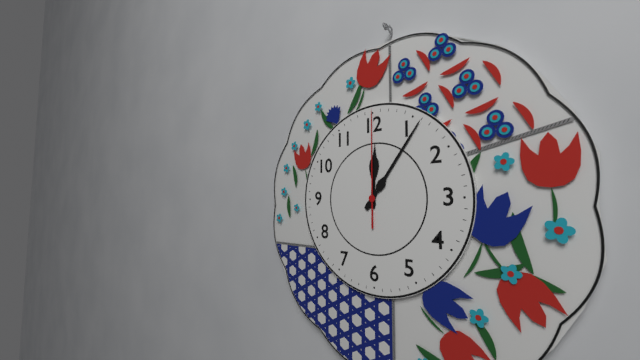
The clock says 12.06.00
